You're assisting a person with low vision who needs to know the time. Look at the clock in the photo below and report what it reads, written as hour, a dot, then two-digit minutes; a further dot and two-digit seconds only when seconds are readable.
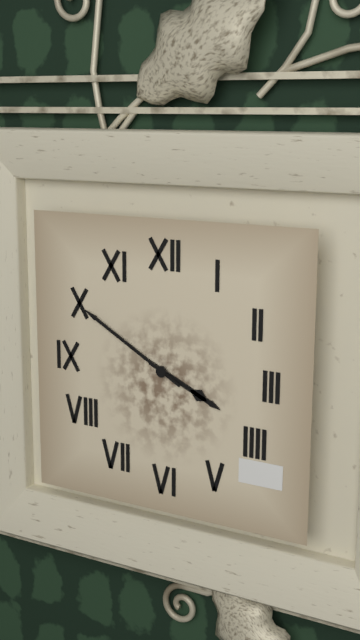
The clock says 3.50
